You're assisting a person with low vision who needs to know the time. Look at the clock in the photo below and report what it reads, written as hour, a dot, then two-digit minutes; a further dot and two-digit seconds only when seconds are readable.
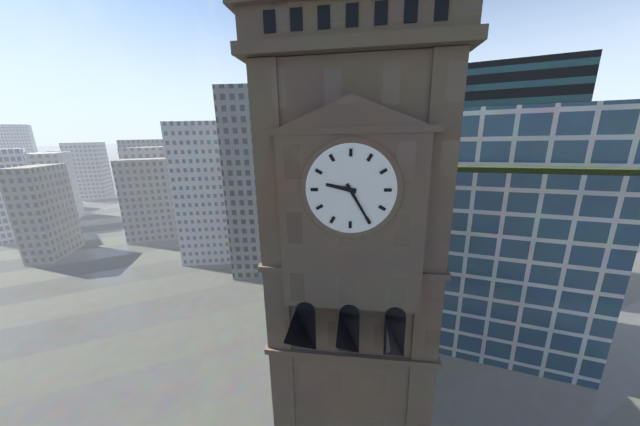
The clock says 9.25
